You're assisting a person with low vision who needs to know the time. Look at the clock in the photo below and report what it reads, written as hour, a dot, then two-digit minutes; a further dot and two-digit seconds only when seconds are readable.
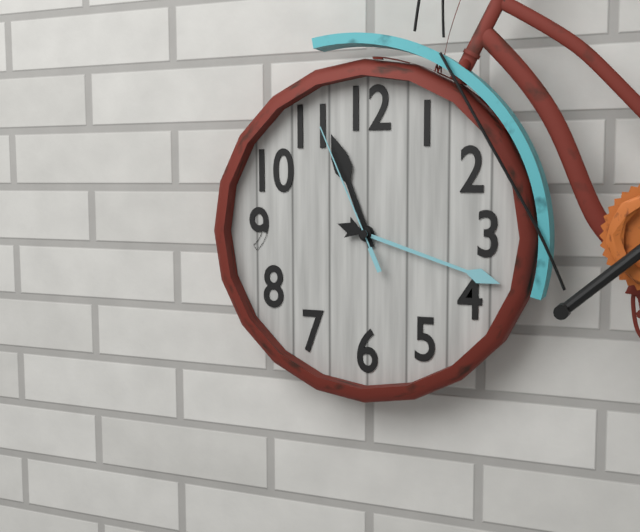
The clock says 11.18.56
